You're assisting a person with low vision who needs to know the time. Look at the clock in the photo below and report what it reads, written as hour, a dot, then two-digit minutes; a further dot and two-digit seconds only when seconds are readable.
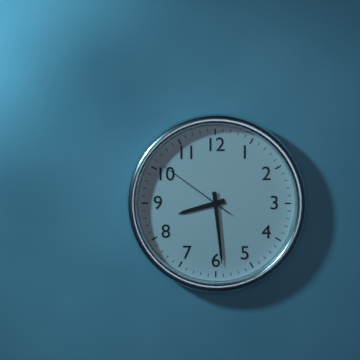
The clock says 8.29.51
